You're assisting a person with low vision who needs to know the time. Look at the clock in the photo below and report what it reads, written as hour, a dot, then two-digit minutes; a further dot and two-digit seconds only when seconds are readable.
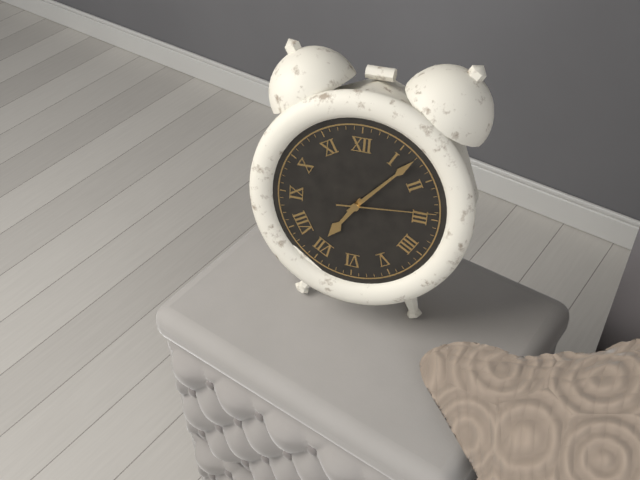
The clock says 7.07.14
